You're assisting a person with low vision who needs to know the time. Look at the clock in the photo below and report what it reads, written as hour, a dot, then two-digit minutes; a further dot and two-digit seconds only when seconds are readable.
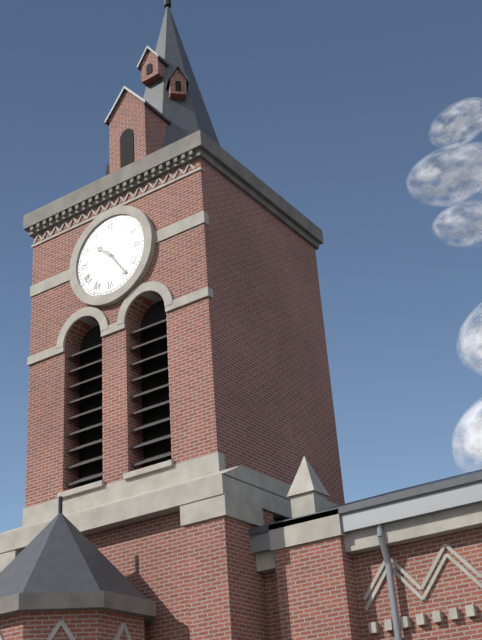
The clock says 10.24
